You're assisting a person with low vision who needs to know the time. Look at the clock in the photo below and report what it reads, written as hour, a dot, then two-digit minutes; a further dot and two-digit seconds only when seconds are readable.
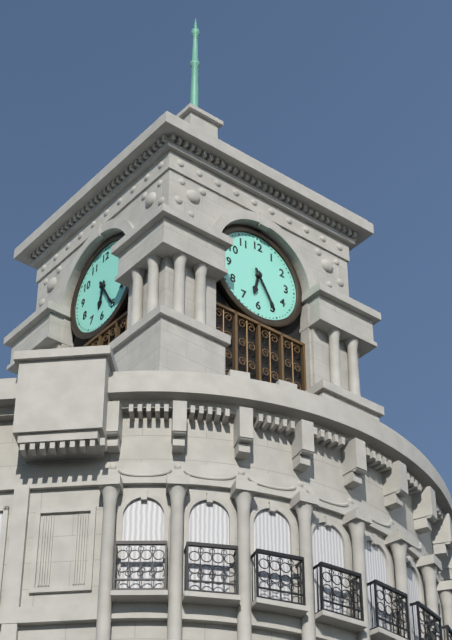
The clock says 6.25
